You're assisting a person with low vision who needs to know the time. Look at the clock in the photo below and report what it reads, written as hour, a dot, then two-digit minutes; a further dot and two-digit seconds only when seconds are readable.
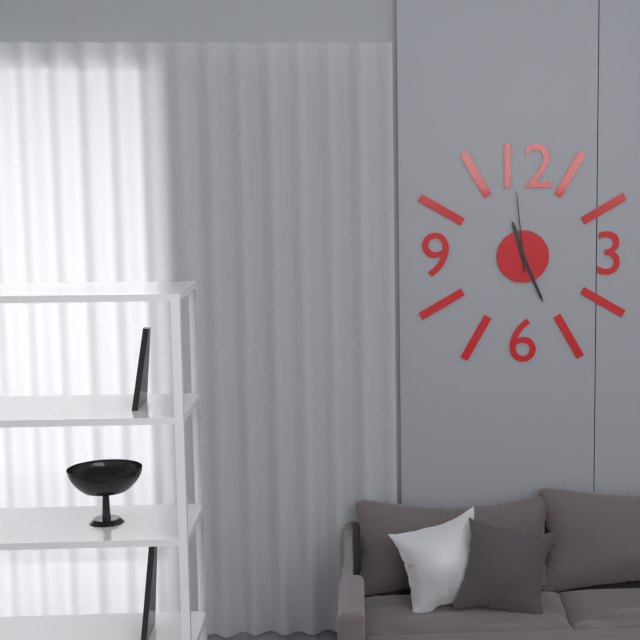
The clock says 11.26.59
